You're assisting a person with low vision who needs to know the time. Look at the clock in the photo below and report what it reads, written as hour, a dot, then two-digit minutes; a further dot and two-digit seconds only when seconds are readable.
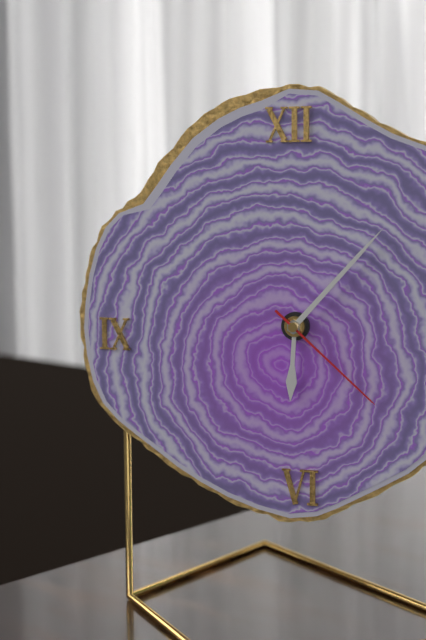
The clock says 6.07.22
